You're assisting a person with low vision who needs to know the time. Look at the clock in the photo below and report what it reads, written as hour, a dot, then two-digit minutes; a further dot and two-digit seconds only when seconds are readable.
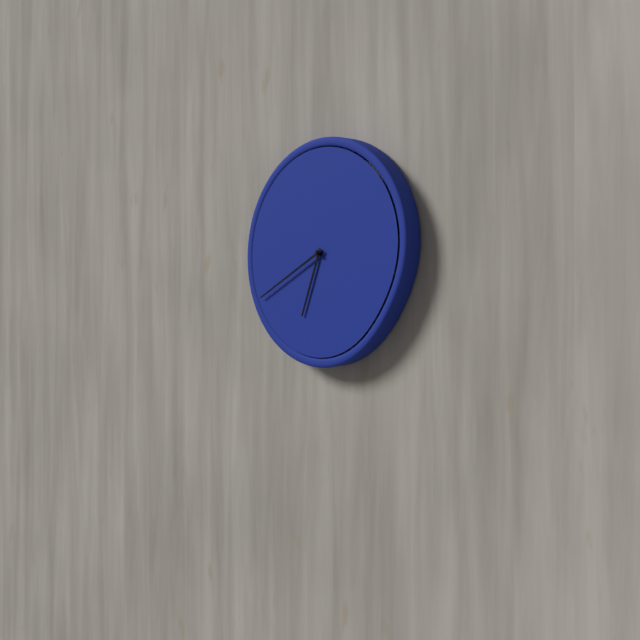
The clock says 6.40
